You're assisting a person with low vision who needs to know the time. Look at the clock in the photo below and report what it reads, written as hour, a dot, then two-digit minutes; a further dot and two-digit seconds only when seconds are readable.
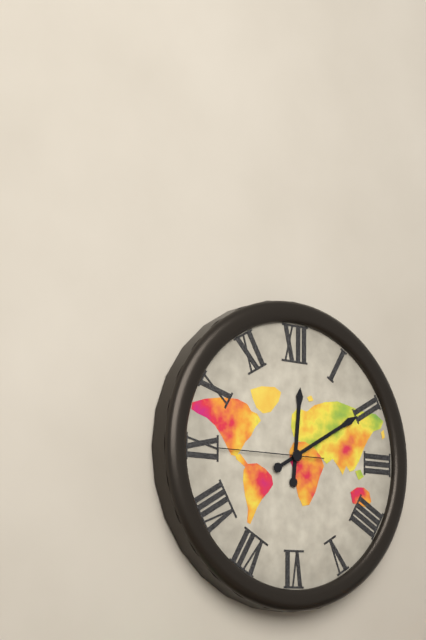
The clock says 12.10.45
